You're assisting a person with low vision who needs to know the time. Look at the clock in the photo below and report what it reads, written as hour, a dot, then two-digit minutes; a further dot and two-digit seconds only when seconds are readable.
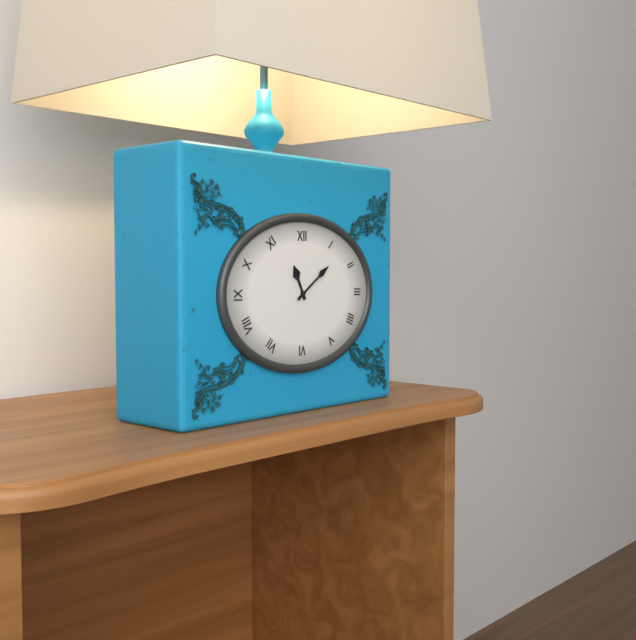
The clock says 11.09
